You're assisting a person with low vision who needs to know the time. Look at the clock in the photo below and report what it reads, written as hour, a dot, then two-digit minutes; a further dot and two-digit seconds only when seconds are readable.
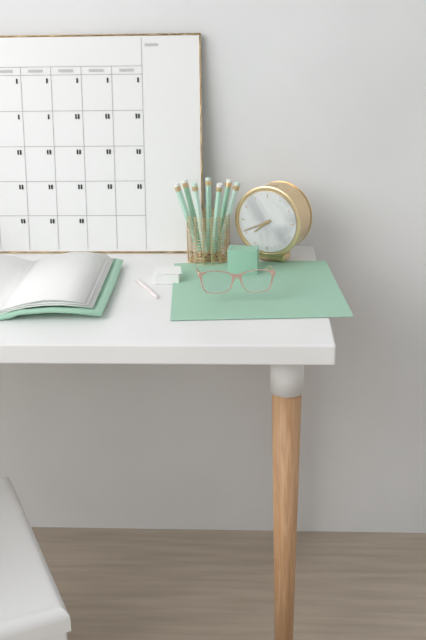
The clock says 7.41
